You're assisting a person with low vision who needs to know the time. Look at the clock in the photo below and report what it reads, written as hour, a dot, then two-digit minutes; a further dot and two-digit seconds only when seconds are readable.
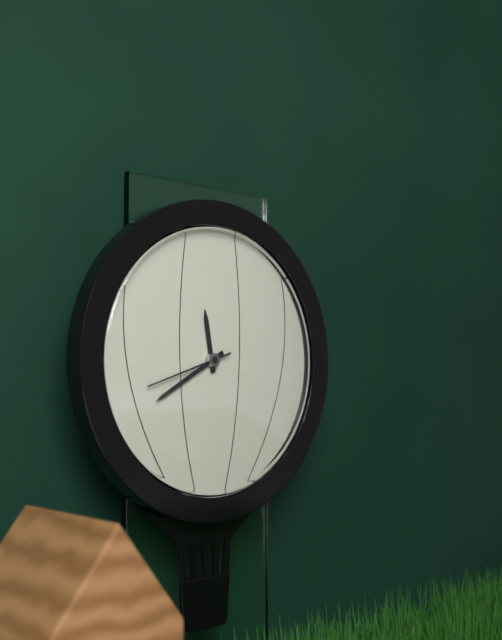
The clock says 11.40.42
